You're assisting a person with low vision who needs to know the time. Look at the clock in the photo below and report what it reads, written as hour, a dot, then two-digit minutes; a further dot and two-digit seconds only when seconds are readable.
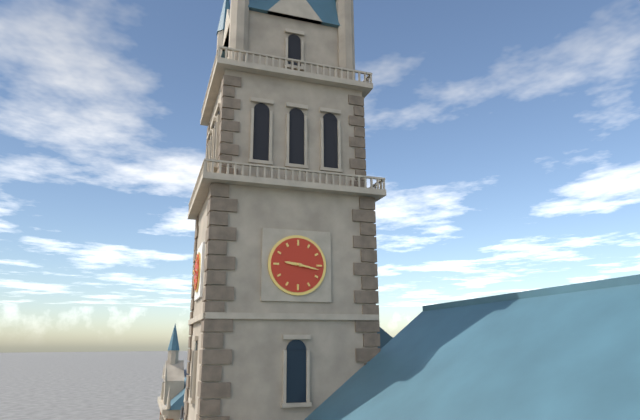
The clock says 9.17
